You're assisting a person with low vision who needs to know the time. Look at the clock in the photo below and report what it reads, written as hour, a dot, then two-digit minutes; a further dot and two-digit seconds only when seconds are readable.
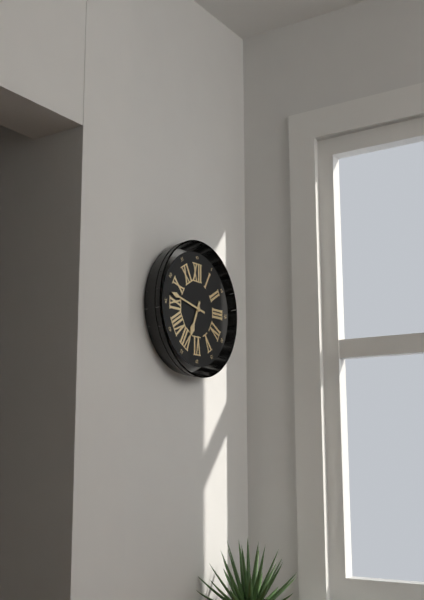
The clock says 6.47
